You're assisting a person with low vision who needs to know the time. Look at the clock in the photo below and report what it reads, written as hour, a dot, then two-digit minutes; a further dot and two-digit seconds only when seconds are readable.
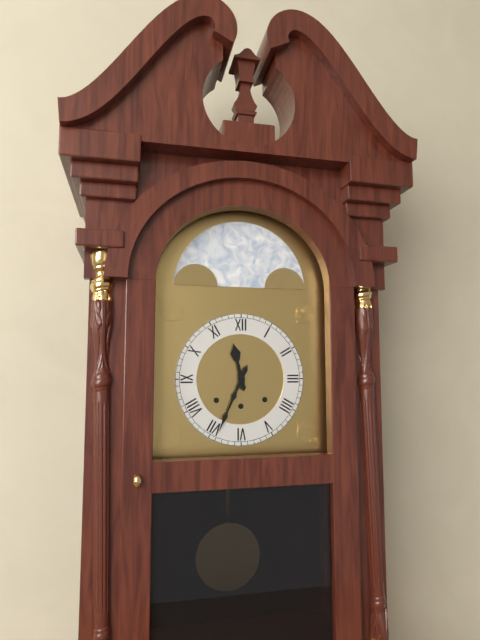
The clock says 11.34
